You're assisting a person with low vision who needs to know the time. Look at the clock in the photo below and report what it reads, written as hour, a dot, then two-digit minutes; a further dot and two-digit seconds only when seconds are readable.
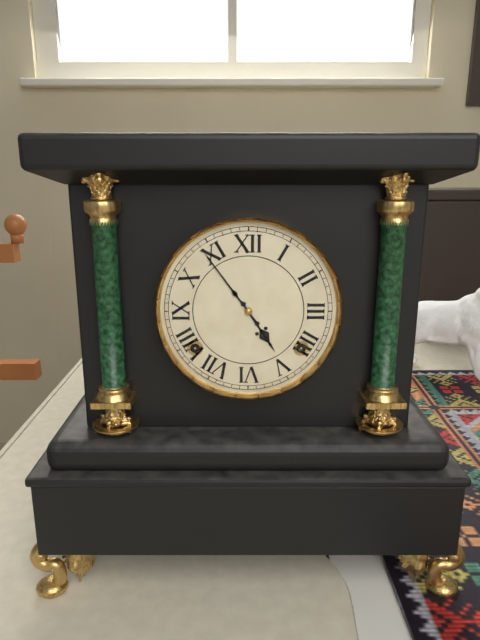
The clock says 4.54
